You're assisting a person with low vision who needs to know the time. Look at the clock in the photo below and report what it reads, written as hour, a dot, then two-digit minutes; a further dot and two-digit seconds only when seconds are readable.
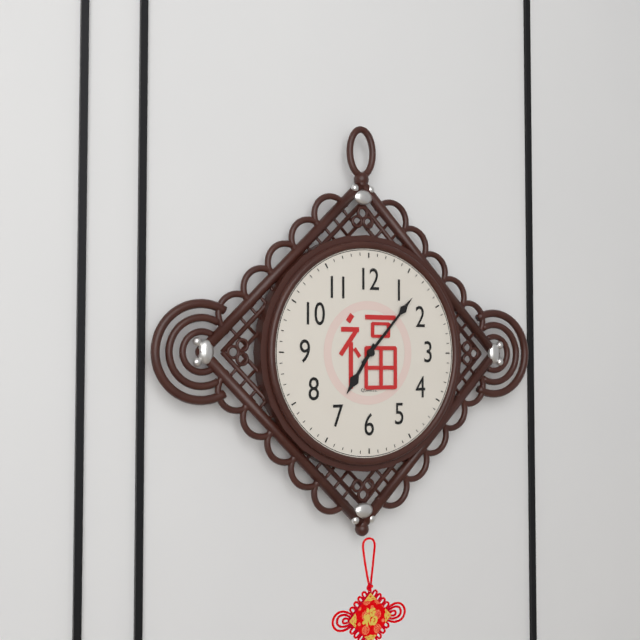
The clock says 7.07
